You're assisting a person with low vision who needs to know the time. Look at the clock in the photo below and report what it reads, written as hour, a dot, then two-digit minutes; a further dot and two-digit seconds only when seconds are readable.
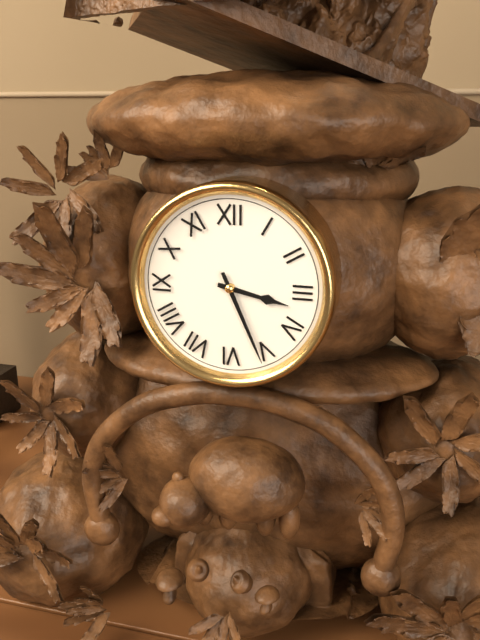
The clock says 3.26
